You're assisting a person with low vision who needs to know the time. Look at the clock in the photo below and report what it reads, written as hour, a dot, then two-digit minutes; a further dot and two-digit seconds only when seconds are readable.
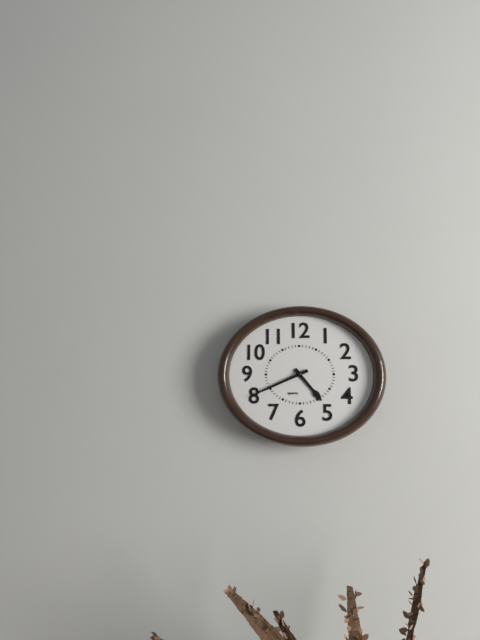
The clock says 4.41
